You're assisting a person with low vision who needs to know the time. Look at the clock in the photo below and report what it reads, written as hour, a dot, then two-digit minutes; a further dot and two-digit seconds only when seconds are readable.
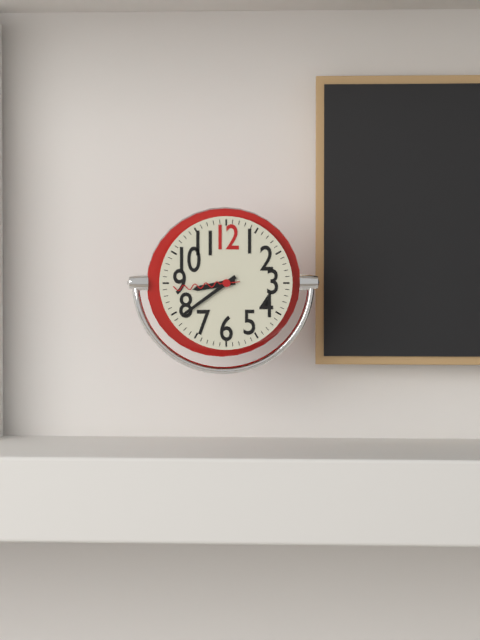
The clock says 8.39.44
